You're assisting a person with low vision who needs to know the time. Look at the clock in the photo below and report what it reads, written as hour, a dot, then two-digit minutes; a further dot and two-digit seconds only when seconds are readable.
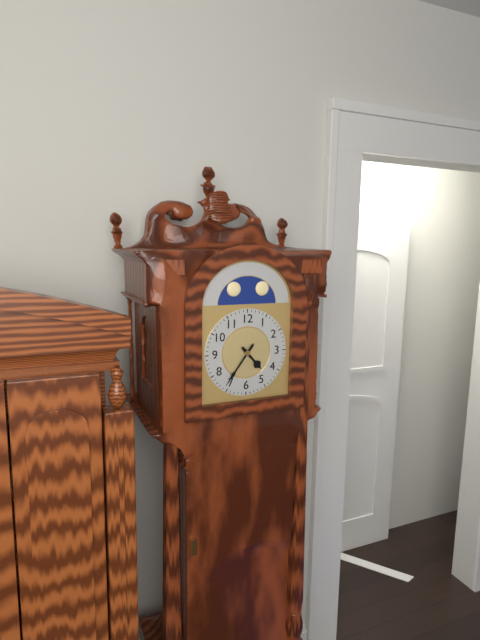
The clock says 4.36
